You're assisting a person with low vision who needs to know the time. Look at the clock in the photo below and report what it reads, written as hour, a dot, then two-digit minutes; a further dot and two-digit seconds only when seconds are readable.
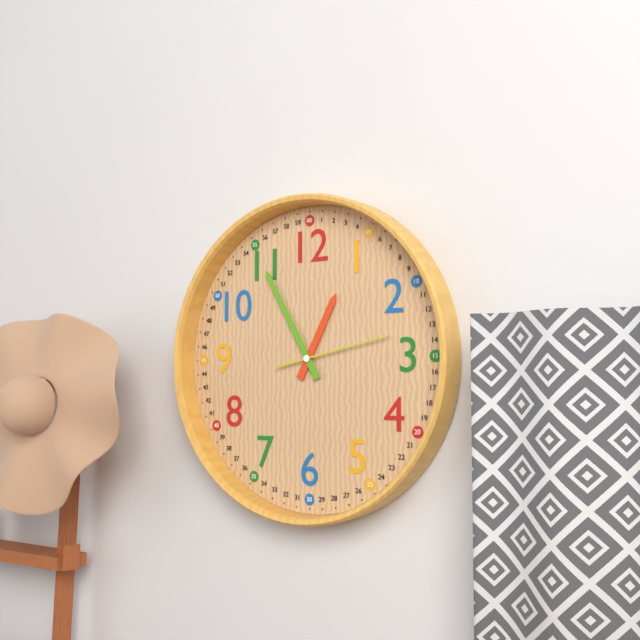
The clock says 12.55.13
